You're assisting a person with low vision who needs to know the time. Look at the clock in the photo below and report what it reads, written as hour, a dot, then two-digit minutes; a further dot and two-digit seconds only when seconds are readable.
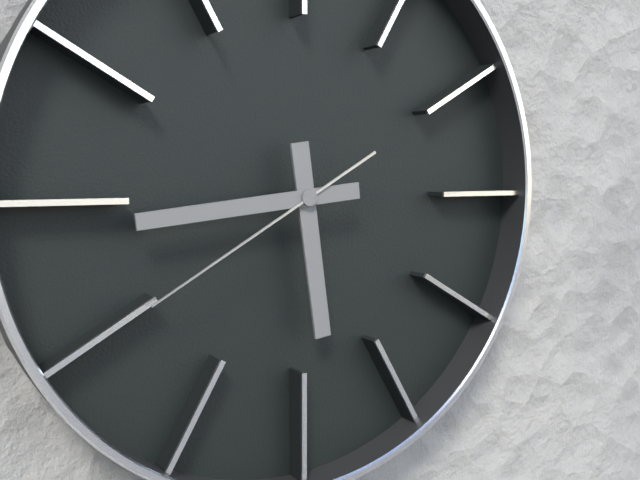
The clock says 5.44.40
